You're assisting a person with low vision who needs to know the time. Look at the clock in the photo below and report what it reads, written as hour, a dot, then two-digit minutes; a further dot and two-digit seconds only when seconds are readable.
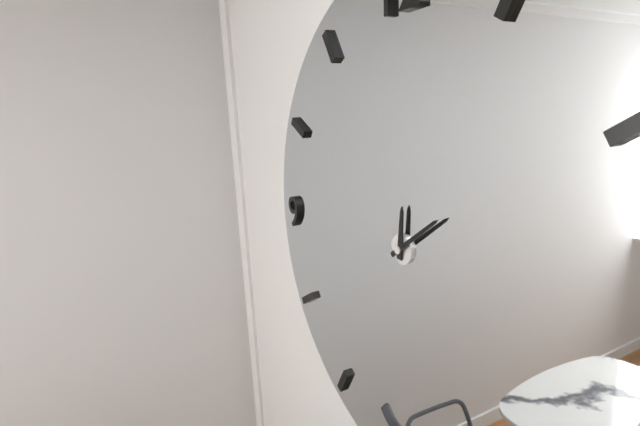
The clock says 12.09
